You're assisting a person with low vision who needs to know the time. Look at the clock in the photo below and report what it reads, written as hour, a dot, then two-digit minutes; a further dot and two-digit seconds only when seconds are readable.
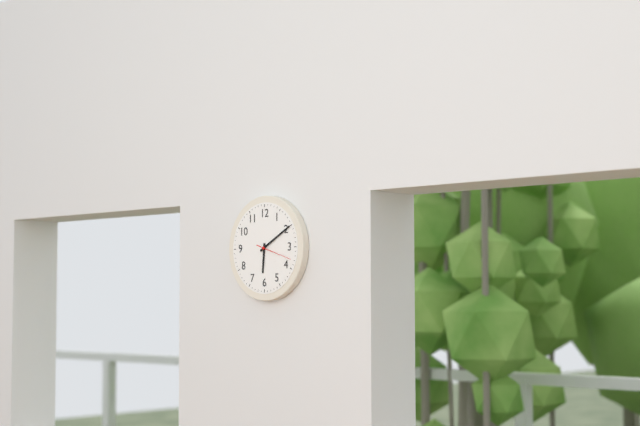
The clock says 6.10
